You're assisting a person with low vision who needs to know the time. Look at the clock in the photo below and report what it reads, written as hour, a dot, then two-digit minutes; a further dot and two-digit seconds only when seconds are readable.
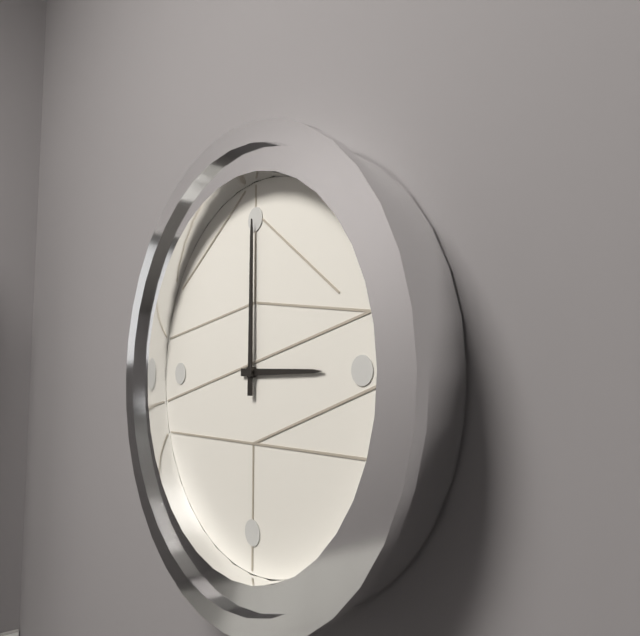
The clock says 3.00
